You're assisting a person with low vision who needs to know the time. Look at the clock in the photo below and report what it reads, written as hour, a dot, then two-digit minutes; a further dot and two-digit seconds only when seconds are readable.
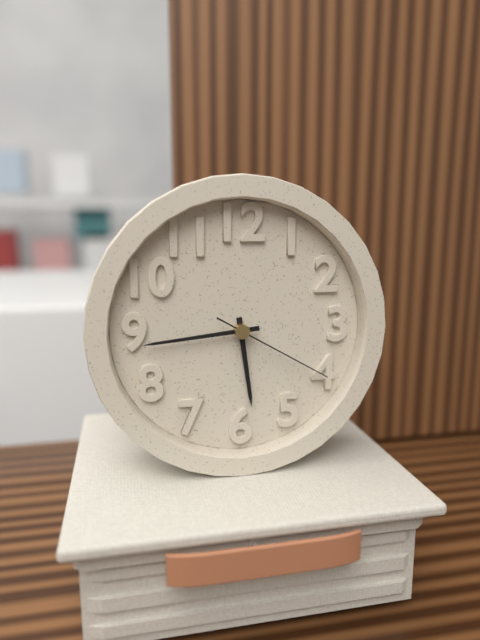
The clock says 5.44.20
